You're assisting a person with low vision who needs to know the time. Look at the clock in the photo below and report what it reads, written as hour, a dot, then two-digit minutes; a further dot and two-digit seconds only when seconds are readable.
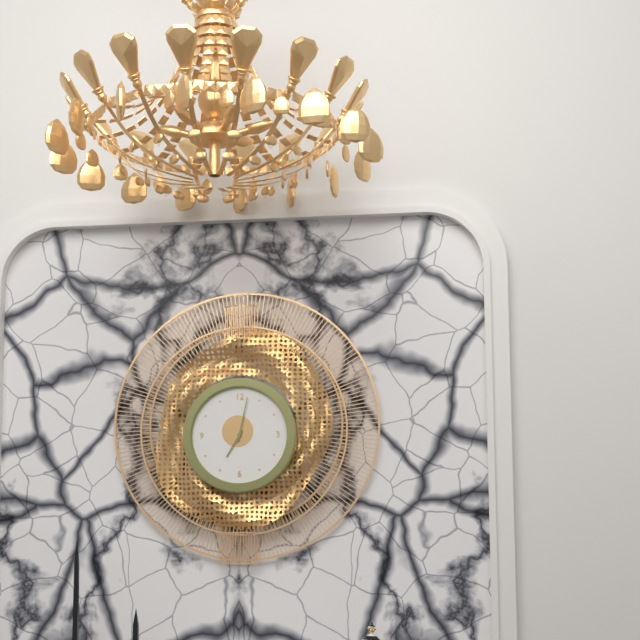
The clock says 7.02
